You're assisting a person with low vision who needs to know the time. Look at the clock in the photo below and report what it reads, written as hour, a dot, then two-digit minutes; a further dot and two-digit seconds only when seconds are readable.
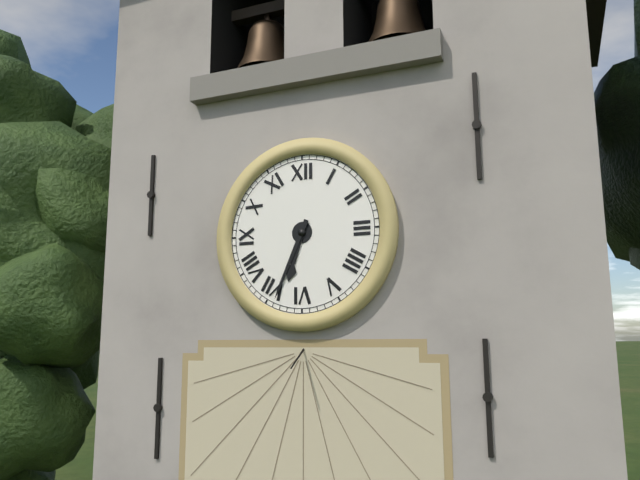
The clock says 6.34
